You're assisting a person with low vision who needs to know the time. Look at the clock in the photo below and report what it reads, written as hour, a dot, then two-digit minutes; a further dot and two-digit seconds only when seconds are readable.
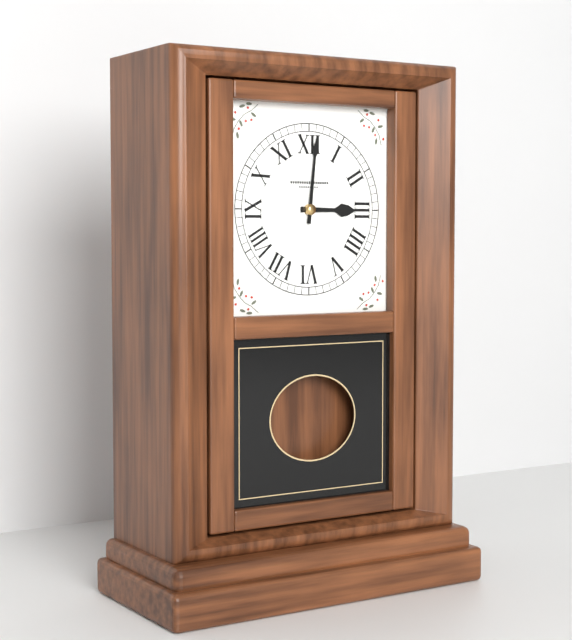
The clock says 3.01
